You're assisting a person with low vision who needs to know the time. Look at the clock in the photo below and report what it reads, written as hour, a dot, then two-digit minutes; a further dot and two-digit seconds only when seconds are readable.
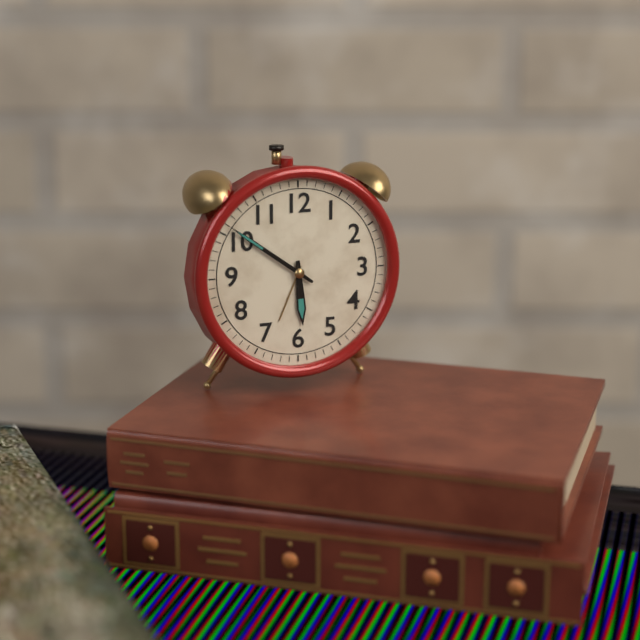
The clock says 5.51
